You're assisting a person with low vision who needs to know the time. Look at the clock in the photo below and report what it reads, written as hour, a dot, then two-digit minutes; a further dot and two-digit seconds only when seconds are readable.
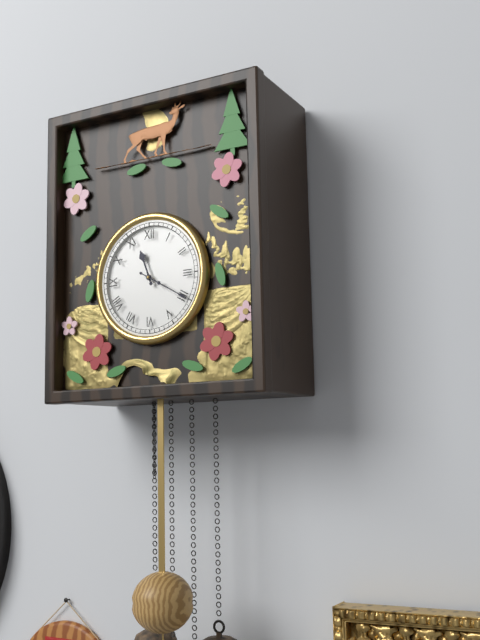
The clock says 11.20
